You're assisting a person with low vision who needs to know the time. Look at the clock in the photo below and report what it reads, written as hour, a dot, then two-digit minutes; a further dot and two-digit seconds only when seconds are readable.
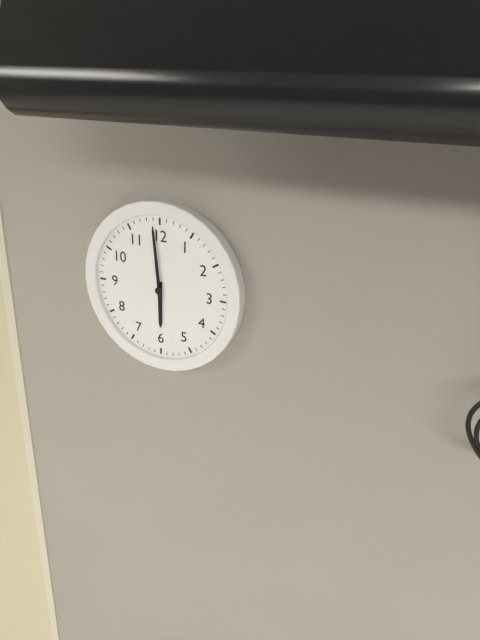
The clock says 5.59
